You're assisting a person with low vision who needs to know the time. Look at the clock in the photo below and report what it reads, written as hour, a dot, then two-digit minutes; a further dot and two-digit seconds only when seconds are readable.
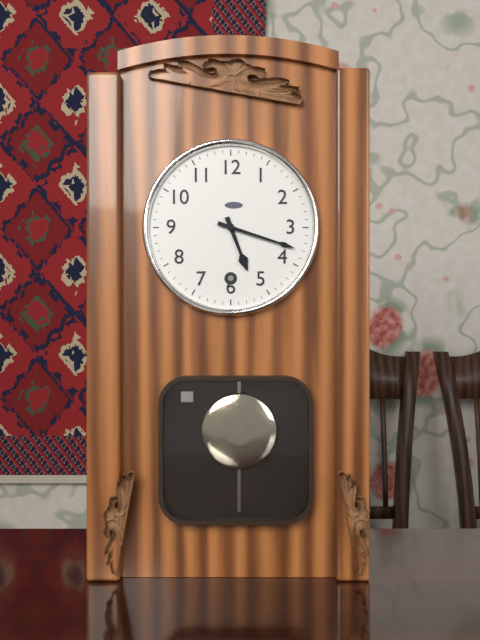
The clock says 5.18
